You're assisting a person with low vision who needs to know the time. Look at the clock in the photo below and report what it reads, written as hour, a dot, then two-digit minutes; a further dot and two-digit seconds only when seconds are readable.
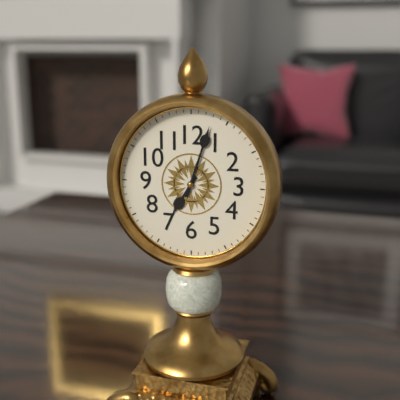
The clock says 7.03
